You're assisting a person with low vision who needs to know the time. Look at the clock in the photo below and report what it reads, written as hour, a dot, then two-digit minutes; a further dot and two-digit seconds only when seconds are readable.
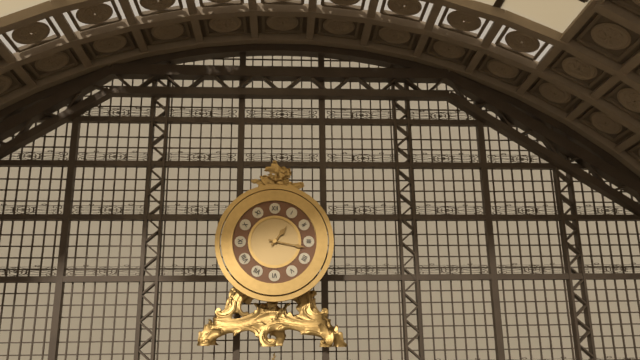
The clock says 1.17
